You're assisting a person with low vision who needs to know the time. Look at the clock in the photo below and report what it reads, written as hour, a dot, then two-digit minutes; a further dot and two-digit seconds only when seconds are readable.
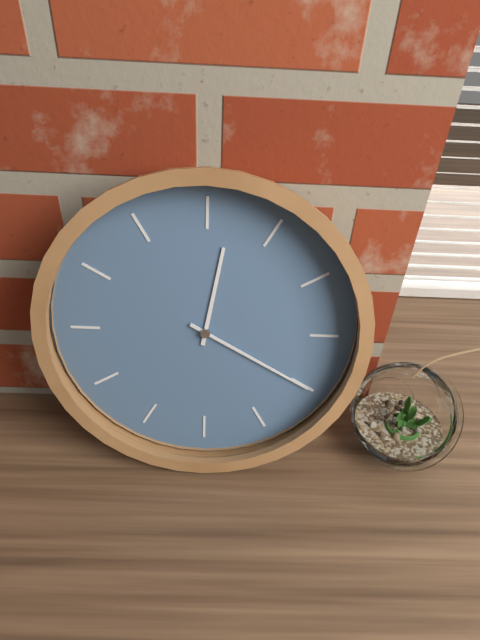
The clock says 12.20
